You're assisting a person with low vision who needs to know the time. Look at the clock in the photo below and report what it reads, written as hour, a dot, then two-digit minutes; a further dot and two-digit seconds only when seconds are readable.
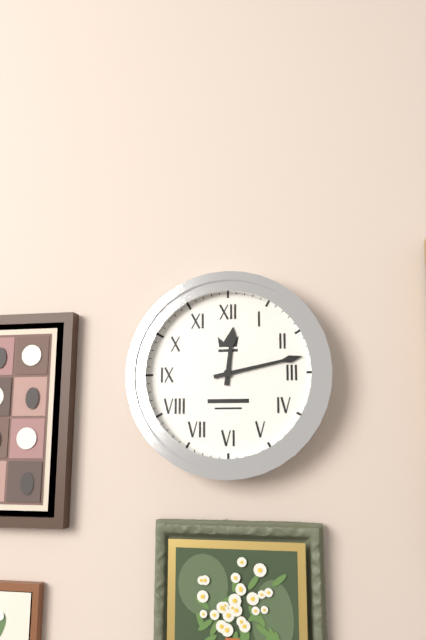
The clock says 12.13
